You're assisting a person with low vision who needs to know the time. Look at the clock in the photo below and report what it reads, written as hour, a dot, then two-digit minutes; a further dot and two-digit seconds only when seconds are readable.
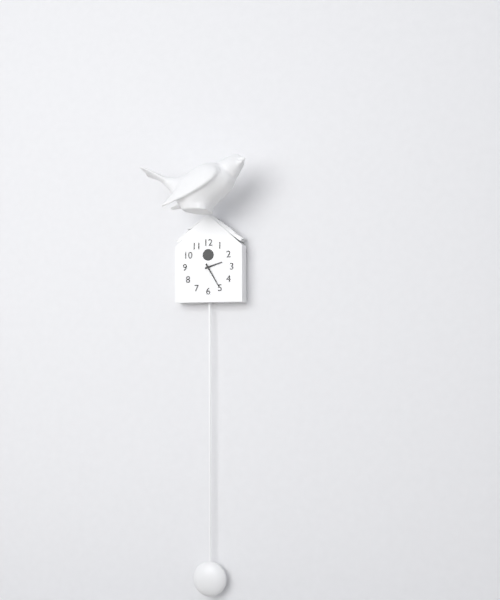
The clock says 2.25
